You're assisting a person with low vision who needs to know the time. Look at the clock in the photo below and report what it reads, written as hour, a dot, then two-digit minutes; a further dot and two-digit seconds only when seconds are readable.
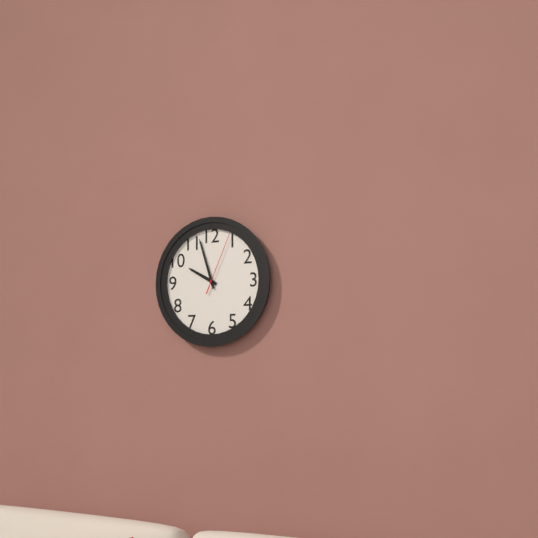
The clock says 9.57.04
